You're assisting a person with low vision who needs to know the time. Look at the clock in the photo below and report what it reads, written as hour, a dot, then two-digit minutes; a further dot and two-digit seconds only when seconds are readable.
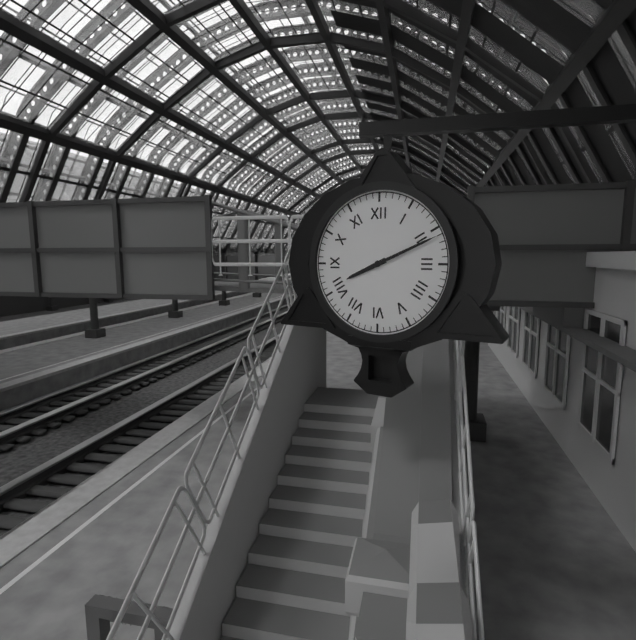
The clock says 8.11
